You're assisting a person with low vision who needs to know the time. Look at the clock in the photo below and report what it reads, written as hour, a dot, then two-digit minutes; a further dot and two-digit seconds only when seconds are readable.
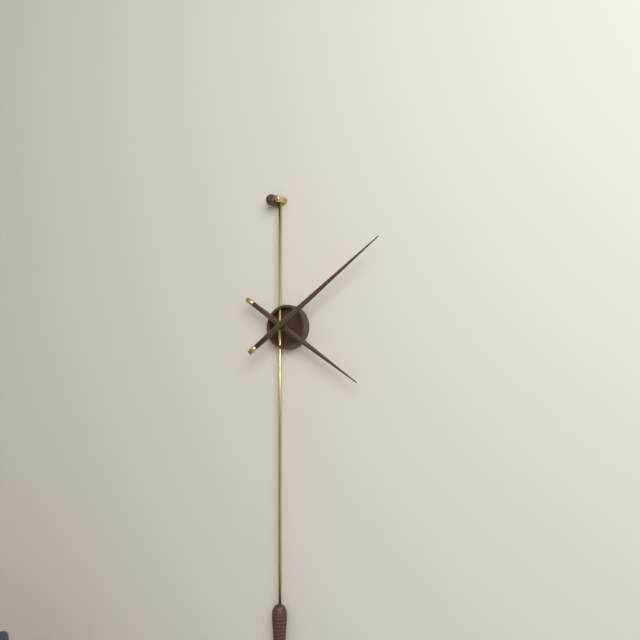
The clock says 4.09
